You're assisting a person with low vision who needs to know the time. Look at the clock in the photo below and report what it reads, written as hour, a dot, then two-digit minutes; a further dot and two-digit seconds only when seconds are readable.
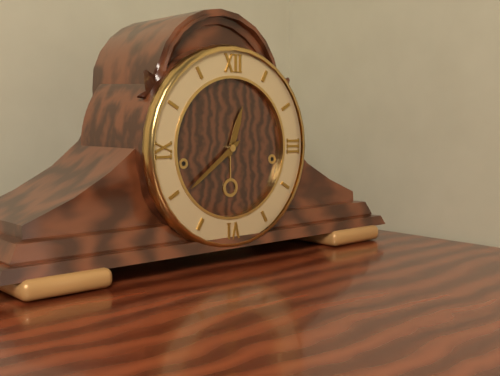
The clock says 12.39
